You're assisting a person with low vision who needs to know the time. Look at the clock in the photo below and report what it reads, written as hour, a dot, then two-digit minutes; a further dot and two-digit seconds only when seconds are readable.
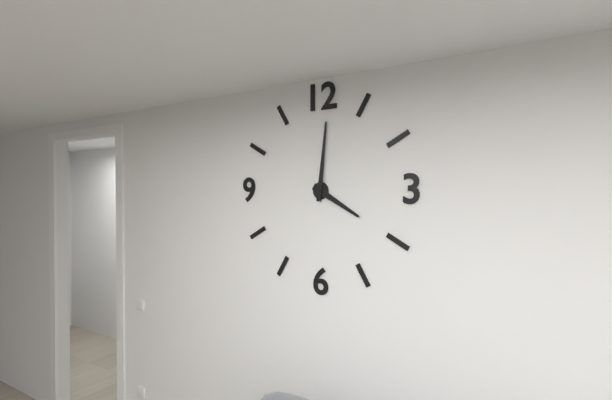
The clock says 4.01
